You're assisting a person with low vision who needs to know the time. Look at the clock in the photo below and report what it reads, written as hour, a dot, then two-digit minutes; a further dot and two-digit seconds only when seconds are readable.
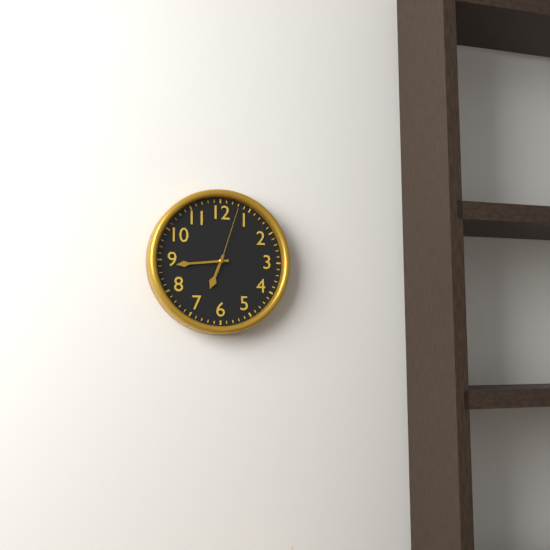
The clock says 6.44.03
